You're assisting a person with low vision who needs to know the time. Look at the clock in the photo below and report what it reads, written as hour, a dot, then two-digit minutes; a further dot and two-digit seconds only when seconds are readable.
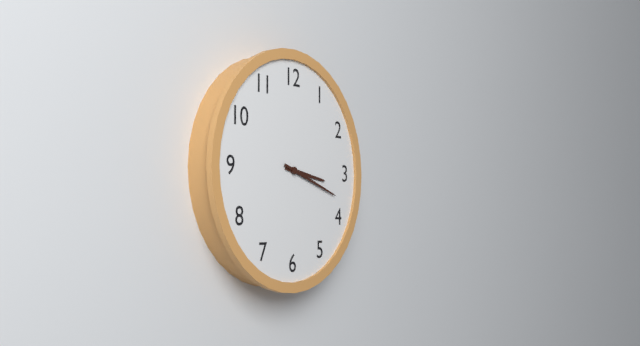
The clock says 3.18
